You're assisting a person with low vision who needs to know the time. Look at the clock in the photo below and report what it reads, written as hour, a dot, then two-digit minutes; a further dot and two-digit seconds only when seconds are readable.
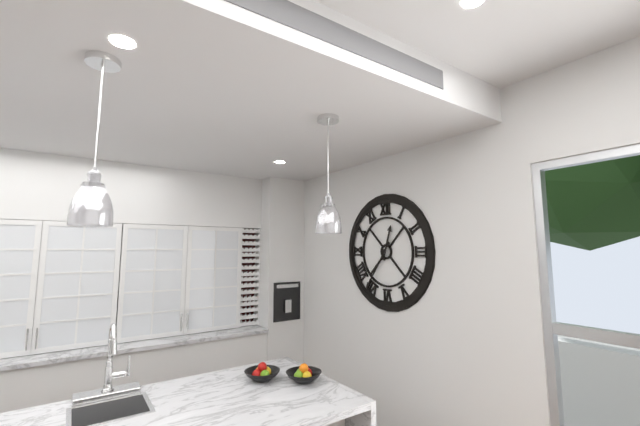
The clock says 12.36
